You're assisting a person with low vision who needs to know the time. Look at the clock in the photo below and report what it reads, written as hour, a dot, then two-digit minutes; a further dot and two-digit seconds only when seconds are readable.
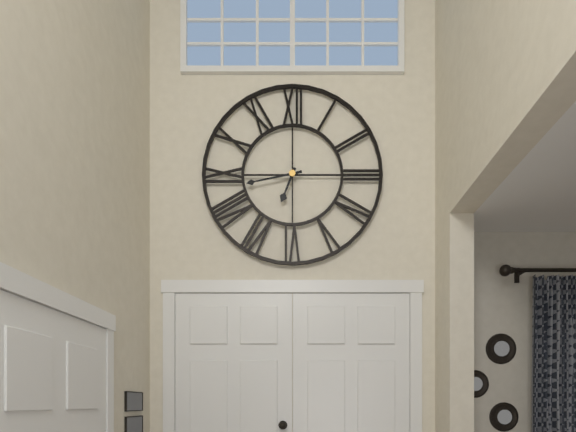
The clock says 6.43
